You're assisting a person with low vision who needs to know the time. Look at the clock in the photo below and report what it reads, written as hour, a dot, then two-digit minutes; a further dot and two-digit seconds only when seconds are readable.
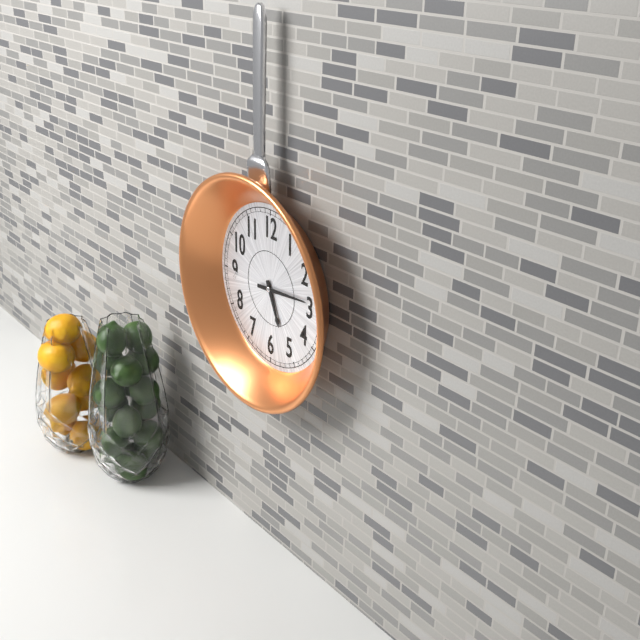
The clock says 5.14
